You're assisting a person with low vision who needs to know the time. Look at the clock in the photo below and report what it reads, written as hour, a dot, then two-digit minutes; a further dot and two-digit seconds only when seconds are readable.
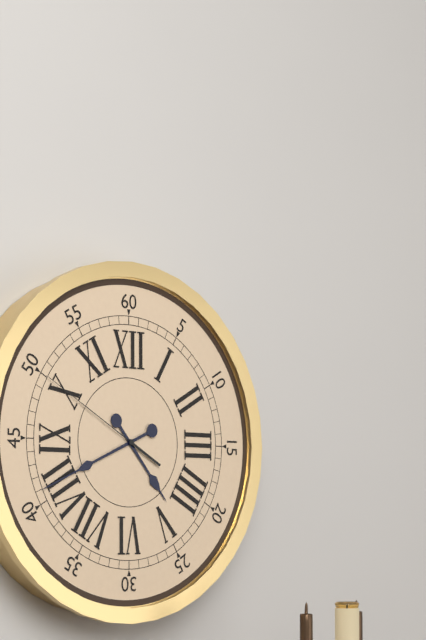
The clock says 4.41.50
